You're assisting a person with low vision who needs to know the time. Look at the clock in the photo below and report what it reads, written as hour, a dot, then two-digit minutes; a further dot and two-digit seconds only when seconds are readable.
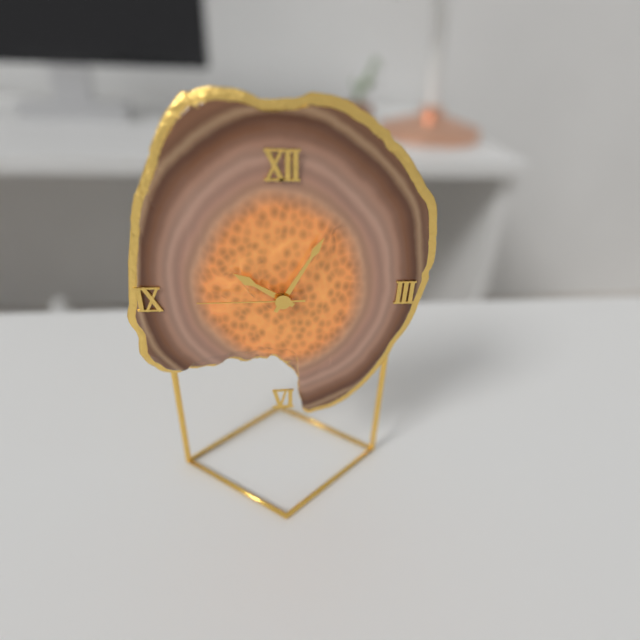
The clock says 10.05.45
